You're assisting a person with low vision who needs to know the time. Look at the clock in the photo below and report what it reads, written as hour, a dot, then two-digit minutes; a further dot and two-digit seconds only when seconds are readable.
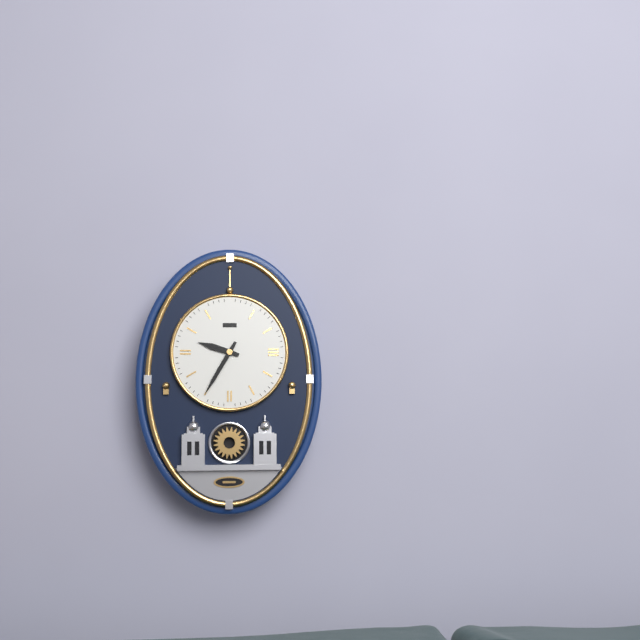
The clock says 9.35
